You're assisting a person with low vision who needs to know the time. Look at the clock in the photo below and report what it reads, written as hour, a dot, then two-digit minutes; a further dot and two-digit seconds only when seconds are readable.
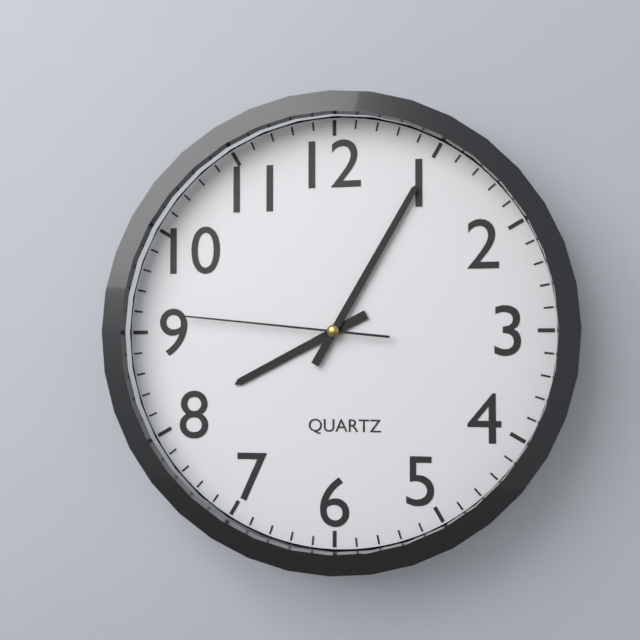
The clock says 8.05.46
